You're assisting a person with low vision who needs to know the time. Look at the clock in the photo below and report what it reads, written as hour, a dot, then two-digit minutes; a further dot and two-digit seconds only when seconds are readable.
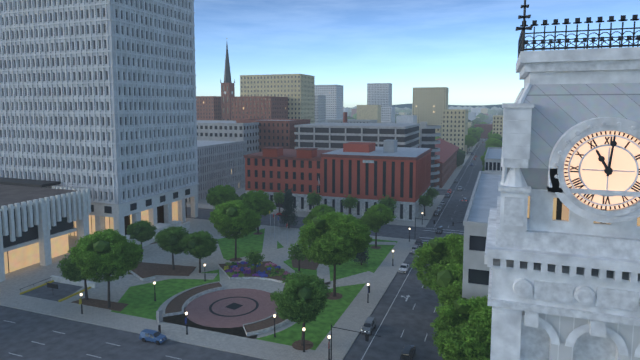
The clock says 11.01
